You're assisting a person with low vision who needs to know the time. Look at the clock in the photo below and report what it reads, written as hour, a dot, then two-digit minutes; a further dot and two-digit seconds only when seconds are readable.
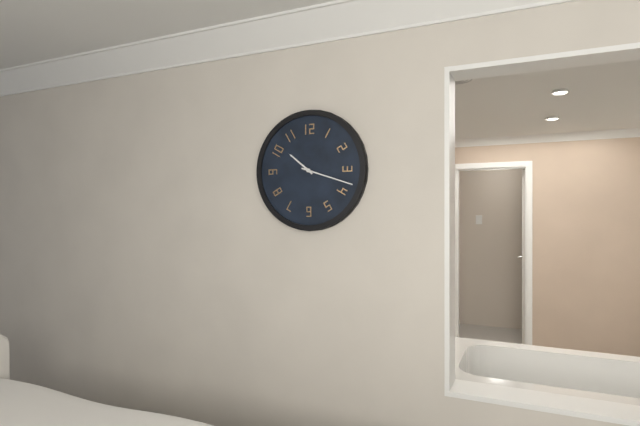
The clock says 10.18
